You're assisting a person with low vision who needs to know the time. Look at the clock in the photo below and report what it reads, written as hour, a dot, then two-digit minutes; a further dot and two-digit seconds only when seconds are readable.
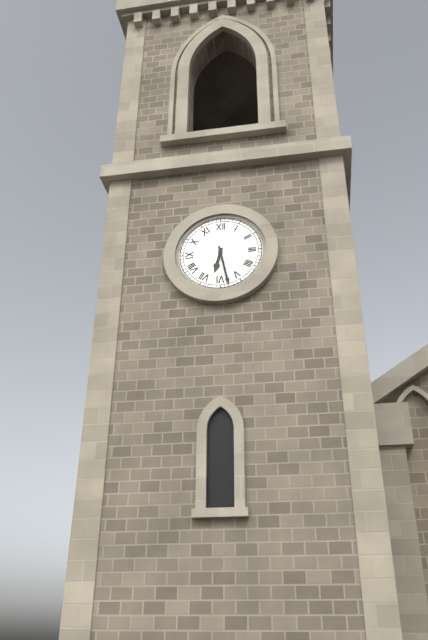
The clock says 6.28
